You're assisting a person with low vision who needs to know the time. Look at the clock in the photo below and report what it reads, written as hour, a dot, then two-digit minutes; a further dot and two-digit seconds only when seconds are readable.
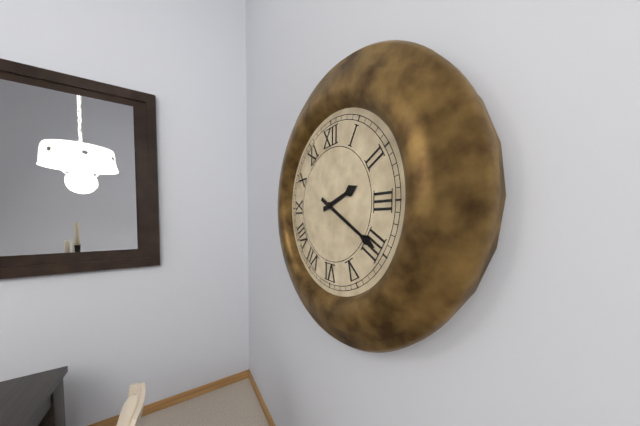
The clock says 2.20
